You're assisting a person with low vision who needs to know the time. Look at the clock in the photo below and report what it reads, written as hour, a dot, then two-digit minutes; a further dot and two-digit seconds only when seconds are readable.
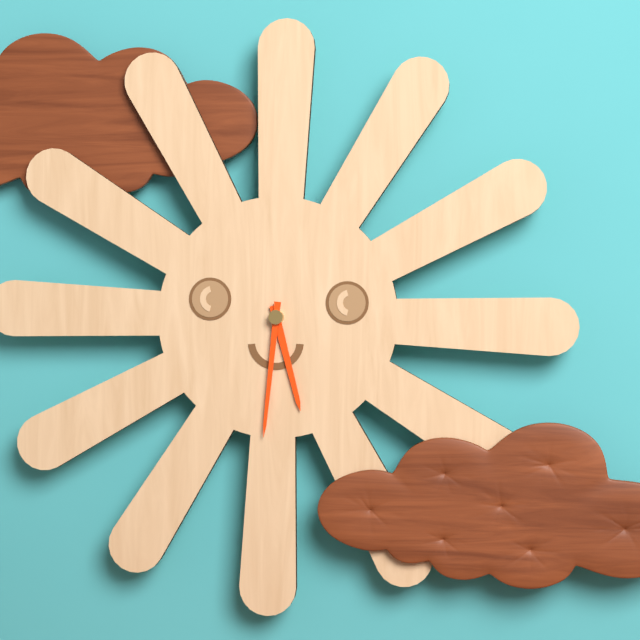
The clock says 5.31
